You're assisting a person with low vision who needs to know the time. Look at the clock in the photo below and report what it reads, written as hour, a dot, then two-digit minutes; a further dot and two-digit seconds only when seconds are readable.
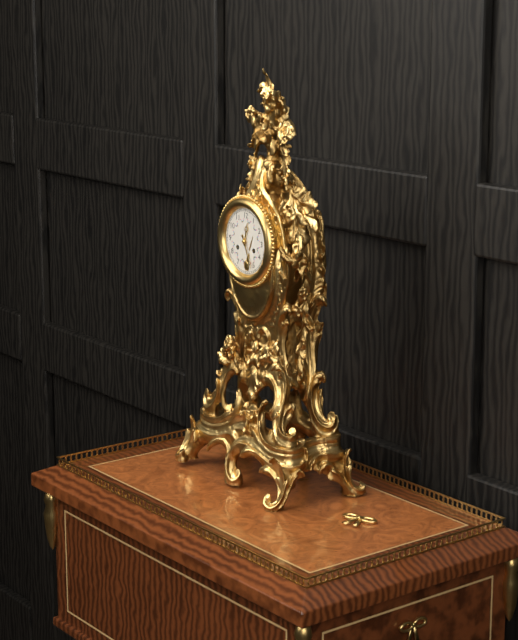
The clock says 12.26
